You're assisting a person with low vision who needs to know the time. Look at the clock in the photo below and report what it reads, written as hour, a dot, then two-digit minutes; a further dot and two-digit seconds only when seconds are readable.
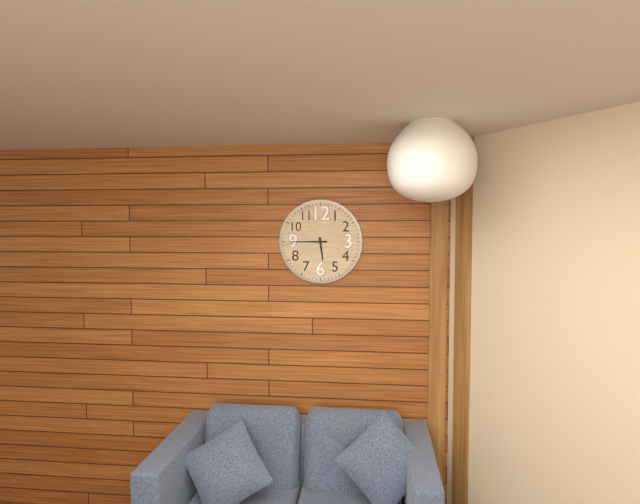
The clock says 5.45
